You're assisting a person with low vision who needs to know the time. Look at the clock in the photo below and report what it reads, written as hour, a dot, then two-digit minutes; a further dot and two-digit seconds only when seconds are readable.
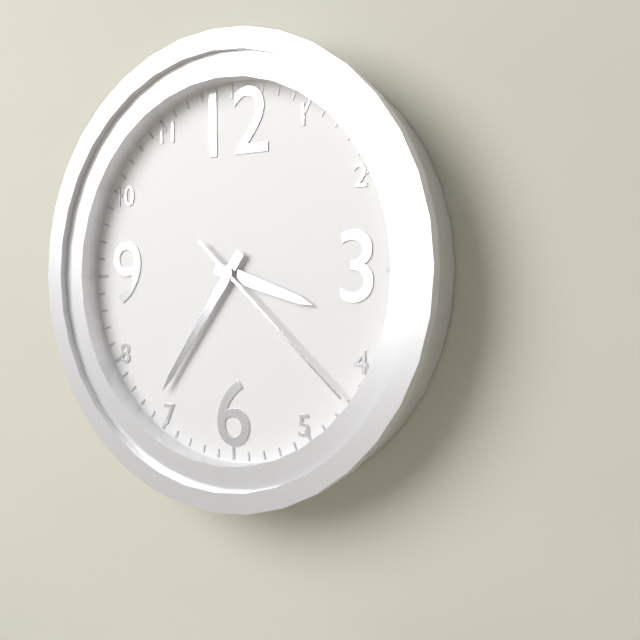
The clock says 3.36.22
